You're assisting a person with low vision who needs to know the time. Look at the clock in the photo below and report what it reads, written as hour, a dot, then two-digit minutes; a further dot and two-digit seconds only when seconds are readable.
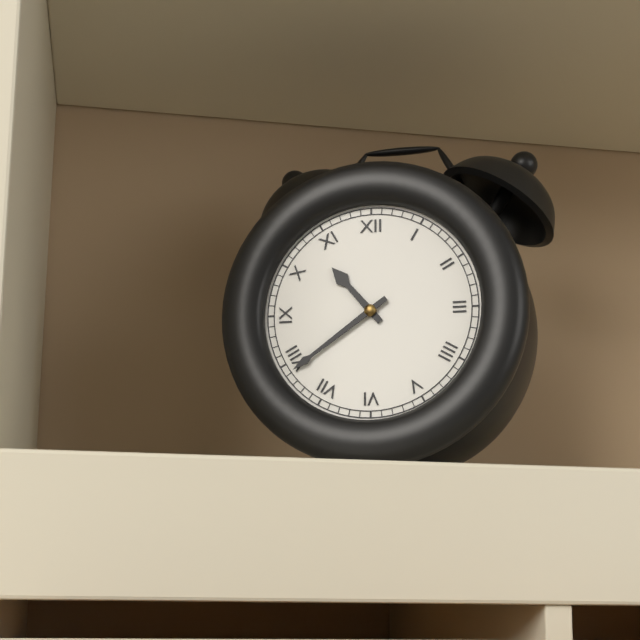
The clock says 10.39
